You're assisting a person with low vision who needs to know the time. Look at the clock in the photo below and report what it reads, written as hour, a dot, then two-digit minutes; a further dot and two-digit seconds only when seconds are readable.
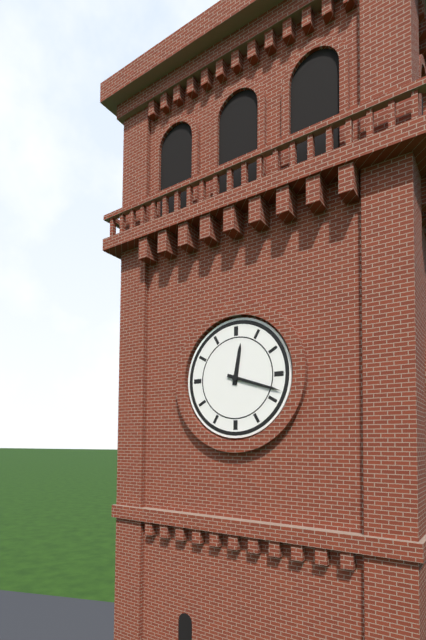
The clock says 12.18
